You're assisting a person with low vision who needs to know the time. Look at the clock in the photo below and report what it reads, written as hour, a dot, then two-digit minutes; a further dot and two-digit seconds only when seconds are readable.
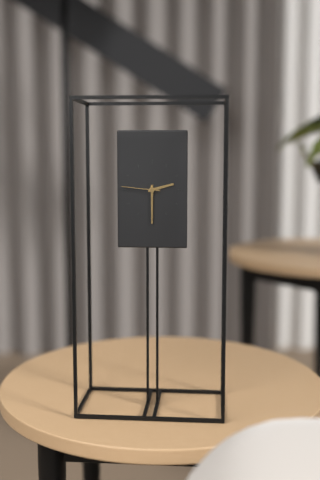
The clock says 2.30
